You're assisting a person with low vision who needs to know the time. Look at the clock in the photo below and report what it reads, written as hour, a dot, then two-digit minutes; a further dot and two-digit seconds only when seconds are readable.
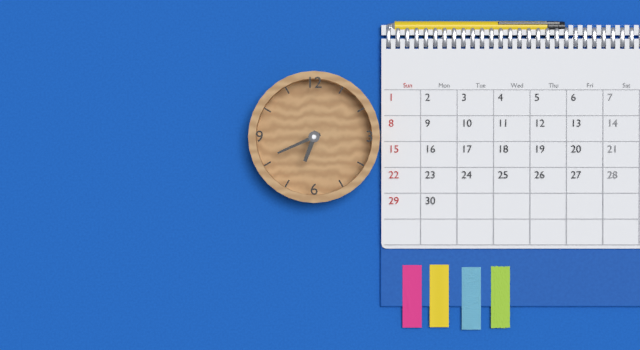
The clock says 6.41
